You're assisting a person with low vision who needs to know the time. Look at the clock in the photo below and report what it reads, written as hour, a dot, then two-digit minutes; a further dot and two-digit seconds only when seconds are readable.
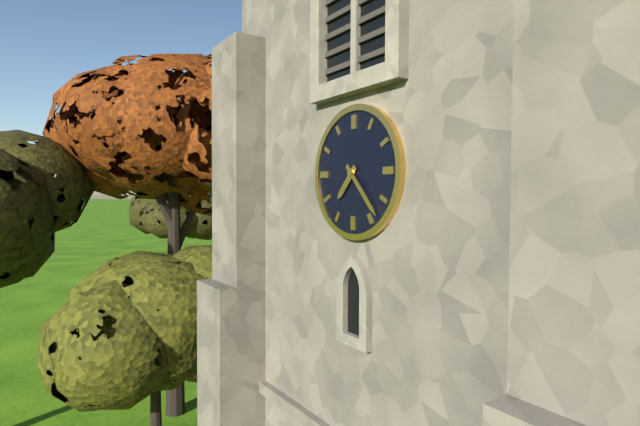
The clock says 7.23
